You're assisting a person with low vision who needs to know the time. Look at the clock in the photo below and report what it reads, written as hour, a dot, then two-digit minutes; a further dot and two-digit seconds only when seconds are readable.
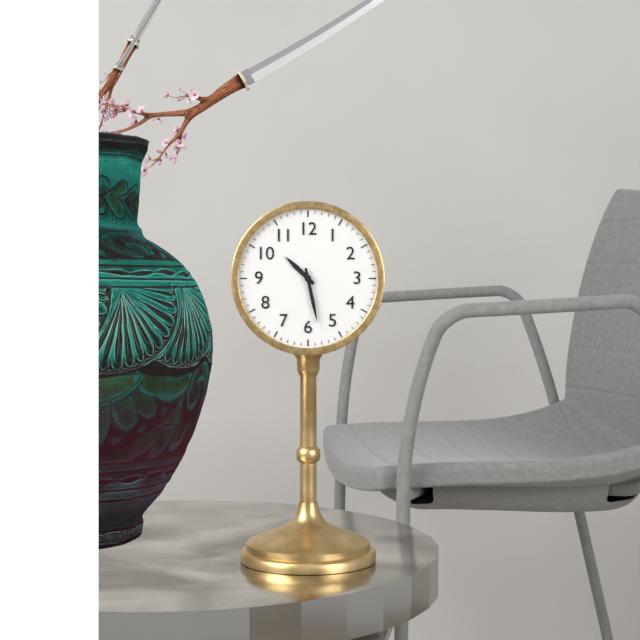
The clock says 10.28
